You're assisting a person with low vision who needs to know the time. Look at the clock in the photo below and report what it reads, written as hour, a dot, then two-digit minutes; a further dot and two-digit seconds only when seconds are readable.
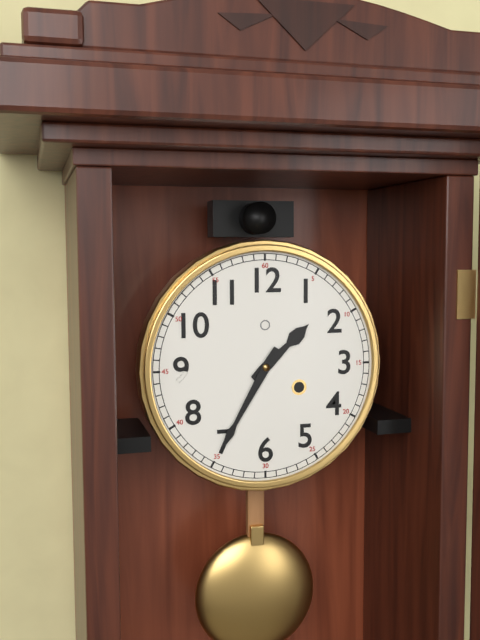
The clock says 1.35
